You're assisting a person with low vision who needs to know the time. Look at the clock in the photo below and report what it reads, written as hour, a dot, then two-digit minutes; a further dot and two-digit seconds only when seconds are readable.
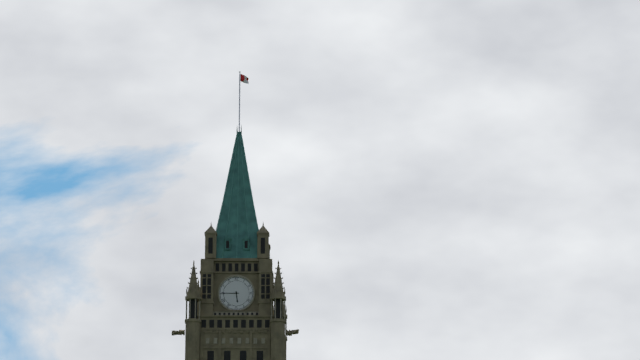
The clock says 5.45
